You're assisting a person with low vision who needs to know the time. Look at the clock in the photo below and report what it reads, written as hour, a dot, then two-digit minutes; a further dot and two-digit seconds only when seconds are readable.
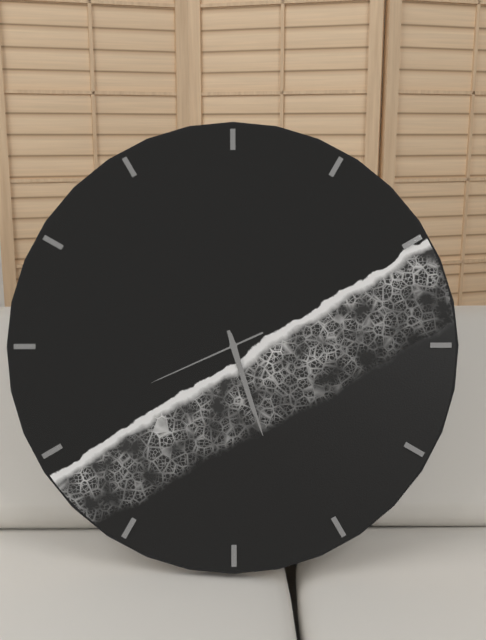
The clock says 5.27.41
